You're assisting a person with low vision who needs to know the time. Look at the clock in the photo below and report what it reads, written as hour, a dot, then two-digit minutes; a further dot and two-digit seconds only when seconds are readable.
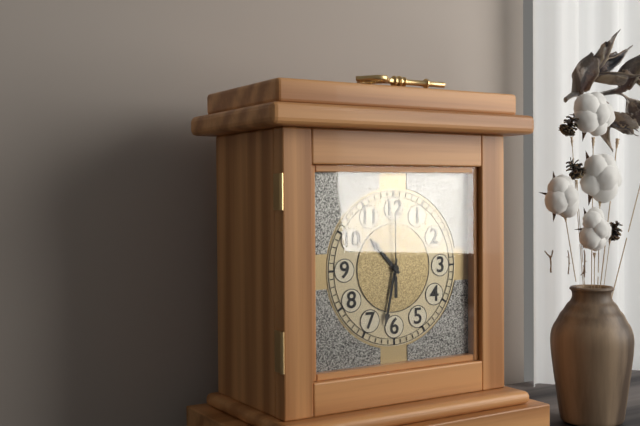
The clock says 10.32.00
